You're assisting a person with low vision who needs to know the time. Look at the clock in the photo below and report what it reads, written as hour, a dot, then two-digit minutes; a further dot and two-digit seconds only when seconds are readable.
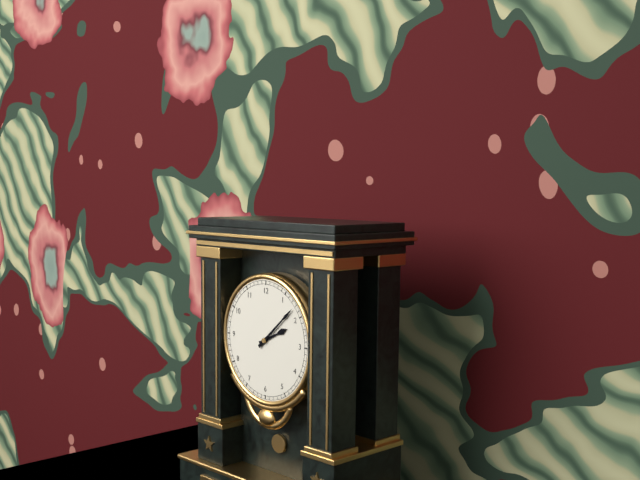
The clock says 2.08
